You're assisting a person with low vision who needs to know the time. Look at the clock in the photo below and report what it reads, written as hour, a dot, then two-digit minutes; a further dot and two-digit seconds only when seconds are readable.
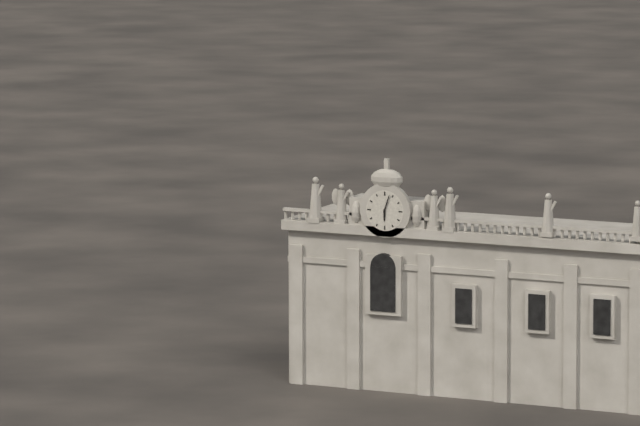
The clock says 6.03
